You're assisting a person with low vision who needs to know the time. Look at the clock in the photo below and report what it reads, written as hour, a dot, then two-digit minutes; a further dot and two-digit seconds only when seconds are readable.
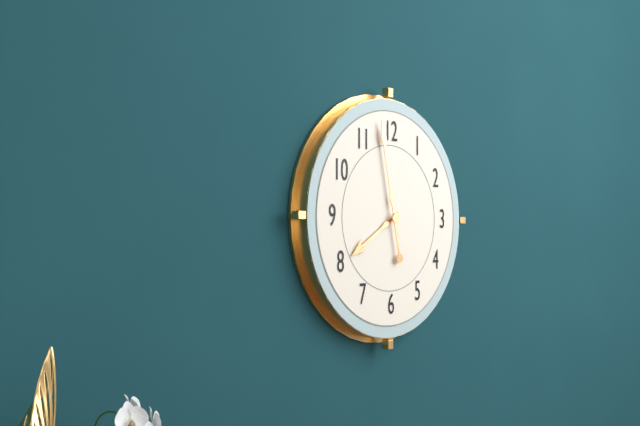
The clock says 7.58
